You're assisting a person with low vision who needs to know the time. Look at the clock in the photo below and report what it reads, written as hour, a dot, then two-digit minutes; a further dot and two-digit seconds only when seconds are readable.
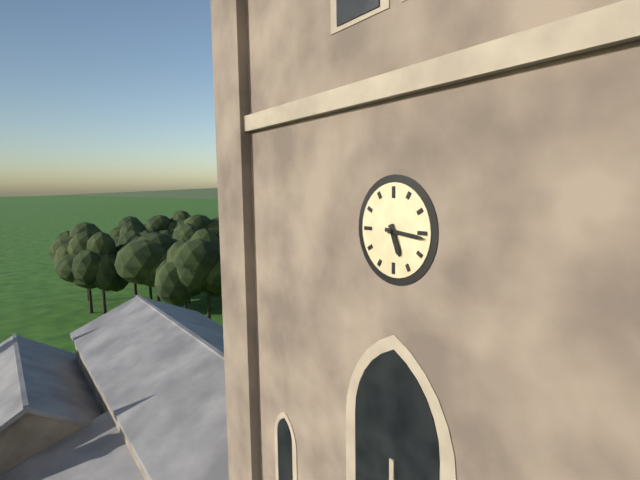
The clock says 5.16
